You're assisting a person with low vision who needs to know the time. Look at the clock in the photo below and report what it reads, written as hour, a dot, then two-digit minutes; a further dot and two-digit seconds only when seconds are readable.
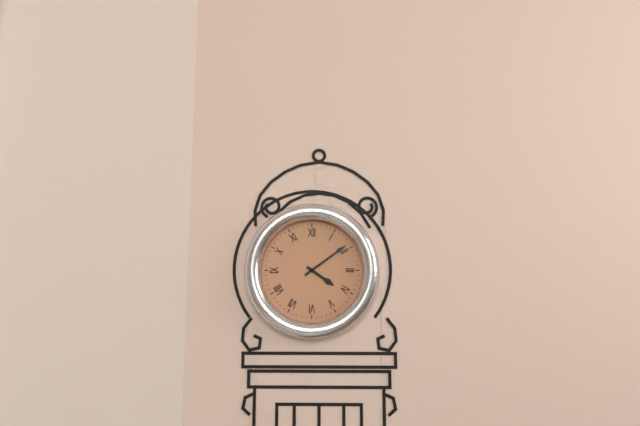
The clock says 4.09
